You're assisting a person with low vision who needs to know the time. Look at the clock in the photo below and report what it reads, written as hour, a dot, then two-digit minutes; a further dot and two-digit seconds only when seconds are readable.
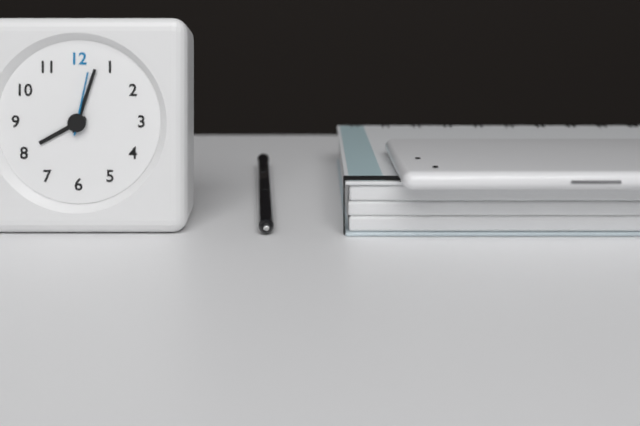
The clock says 8.03.02
